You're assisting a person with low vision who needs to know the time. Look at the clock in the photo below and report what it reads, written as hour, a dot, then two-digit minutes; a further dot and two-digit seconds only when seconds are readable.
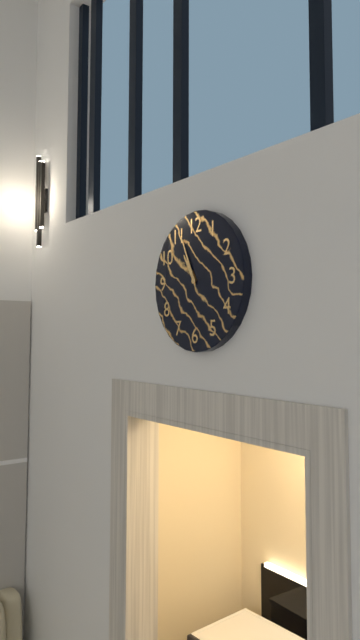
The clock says 10.56
